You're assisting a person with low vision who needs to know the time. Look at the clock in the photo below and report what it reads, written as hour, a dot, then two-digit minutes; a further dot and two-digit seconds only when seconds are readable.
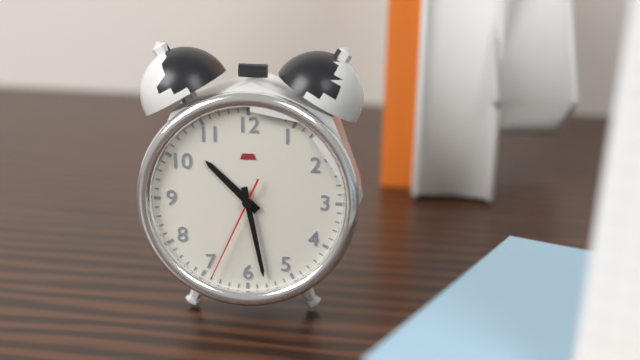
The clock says 10.28.34
